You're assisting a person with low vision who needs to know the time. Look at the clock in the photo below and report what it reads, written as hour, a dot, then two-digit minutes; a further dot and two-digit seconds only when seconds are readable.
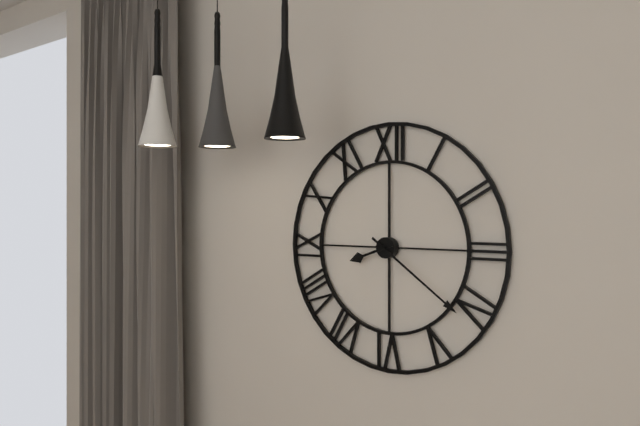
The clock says 8.21
